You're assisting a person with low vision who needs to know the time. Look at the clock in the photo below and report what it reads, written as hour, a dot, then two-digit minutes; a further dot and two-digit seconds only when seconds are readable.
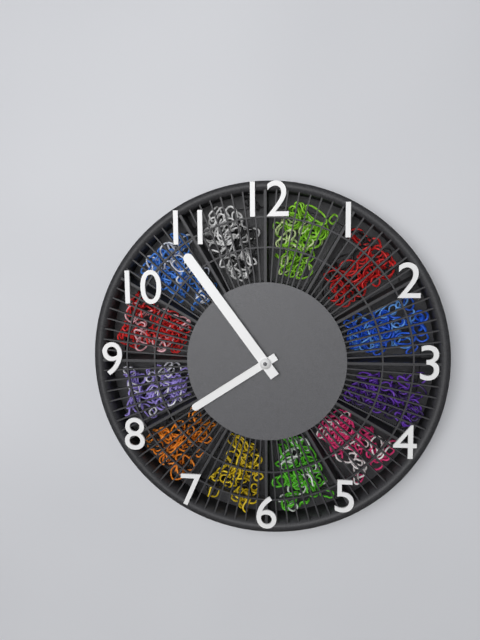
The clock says 7.54
